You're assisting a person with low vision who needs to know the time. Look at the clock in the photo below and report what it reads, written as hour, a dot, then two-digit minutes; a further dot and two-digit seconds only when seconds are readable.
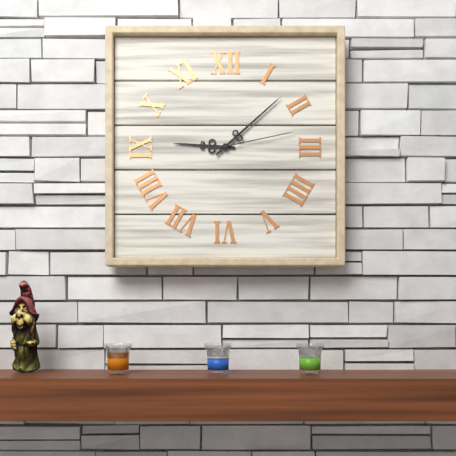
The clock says 9.08.13
